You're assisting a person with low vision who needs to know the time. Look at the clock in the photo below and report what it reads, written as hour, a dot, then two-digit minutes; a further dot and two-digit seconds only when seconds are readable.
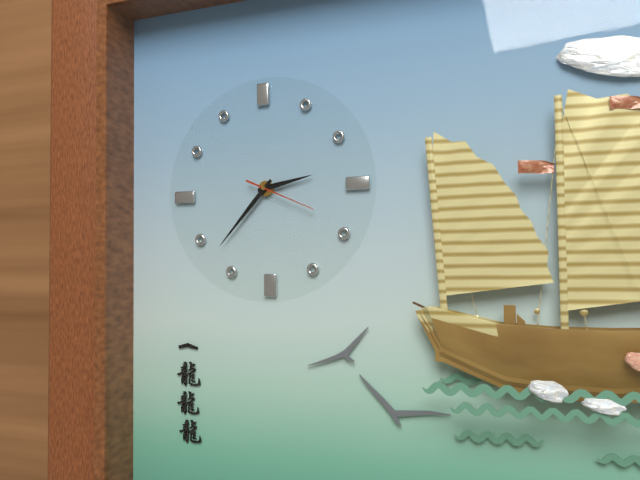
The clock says 2.37.19
